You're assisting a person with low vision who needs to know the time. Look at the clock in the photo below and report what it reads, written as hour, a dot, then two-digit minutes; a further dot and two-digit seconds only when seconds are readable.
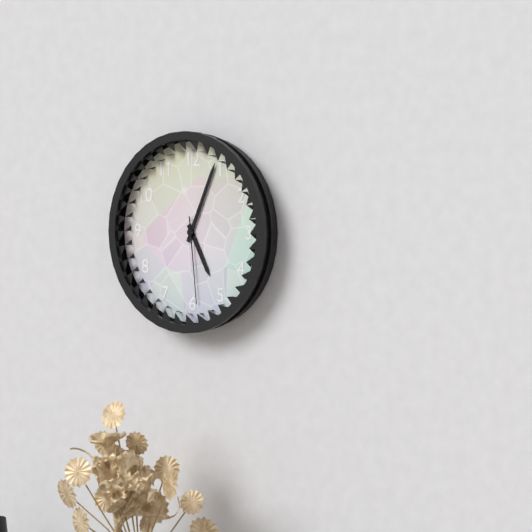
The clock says 5.04.29
